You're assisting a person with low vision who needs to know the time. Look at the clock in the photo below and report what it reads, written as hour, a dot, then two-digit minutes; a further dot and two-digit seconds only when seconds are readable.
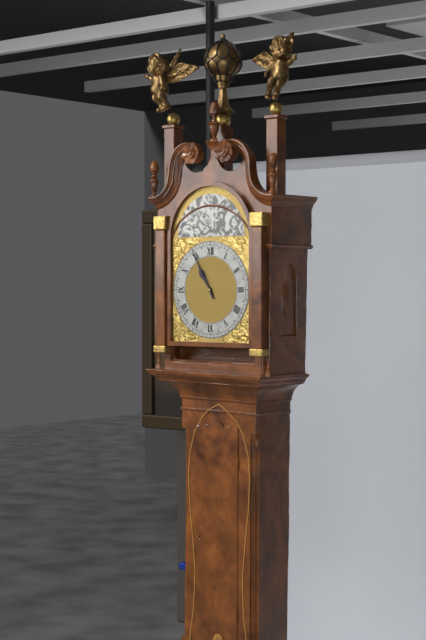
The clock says 10.55
